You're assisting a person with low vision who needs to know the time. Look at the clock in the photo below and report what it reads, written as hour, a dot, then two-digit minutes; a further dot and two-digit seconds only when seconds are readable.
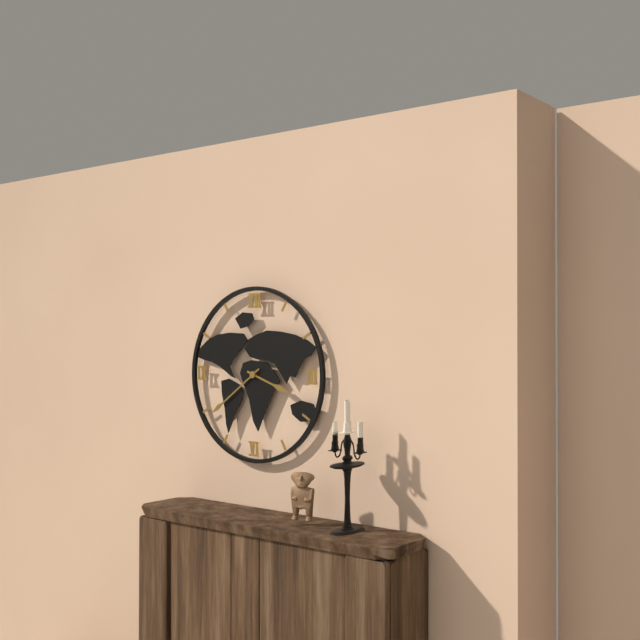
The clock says 3.39
